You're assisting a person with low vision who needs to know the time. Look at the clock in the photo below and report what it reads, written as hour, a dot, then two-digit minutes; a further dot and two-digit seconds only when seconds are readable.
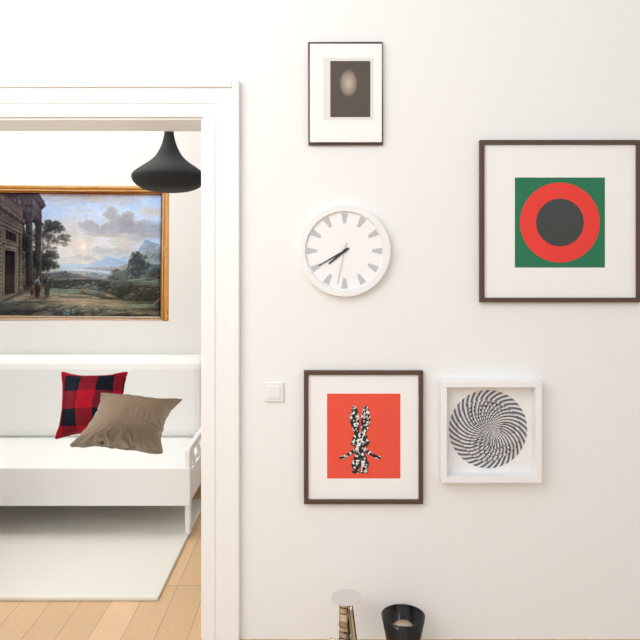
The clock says 7.40
